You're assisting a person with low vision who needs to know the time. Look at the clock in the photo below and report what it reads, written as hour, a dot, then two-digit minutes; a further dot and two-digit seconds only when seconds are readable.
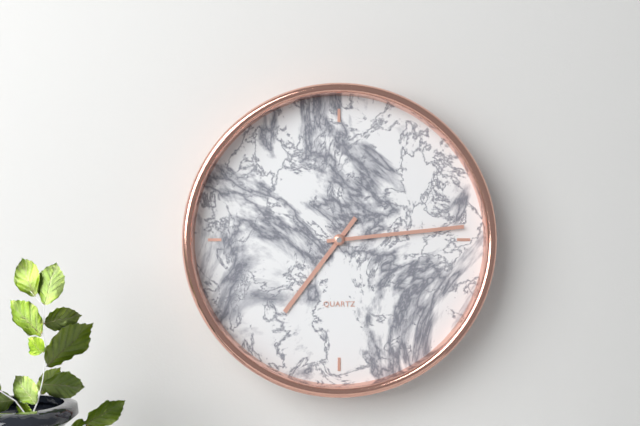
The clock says 7.14
